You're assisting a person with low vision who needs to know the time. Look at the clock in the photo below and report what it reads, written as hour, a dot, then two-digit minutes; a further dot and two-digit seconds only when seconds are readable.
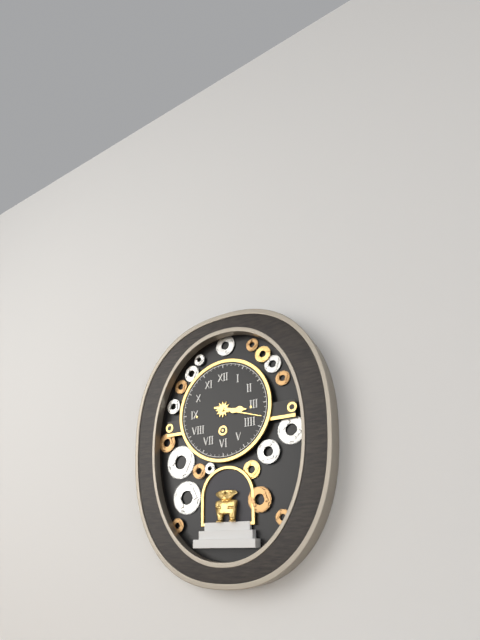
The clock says 3.18
